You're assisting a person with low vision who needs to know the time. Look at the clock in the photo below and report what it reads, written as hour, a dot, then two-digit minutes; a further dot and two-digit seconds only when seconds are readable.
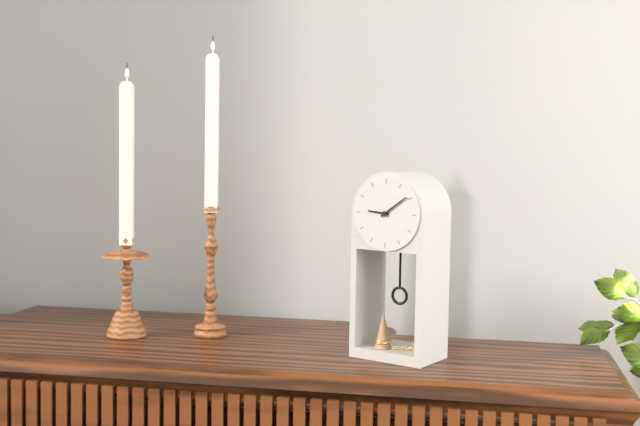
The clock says 9.09
